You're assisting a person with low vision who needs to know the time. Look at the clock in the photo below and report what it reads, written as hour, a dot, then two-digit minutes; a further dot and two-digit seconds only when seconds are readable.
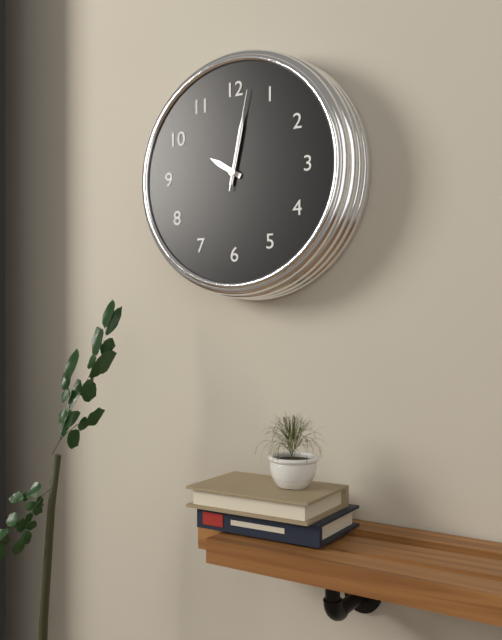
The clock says 10.02.02
